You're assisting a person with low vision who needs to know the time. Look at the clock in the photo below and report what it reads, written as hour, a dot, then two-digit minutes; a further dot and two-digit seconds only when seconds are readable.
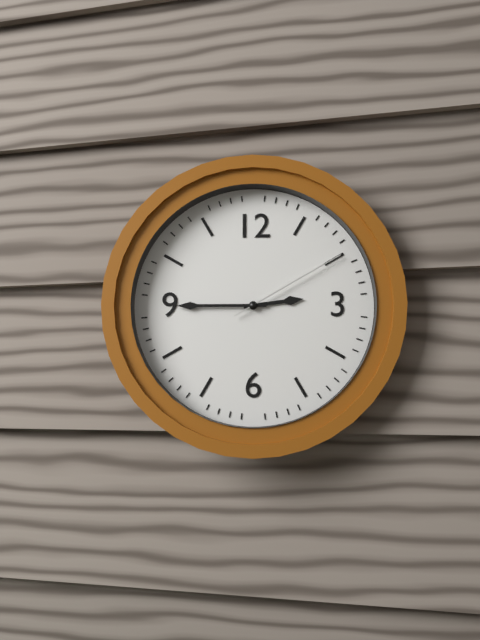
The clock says 2.45.10
